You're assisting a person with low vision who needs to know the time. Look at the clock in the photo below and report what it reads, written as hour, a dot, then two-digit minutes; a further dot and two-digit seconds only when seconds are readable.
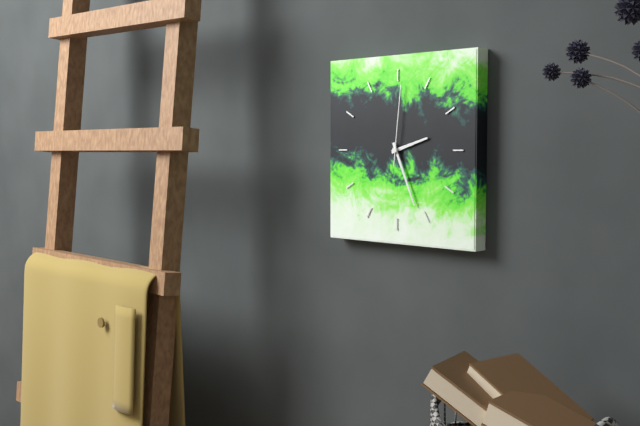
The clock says 2.26.01
